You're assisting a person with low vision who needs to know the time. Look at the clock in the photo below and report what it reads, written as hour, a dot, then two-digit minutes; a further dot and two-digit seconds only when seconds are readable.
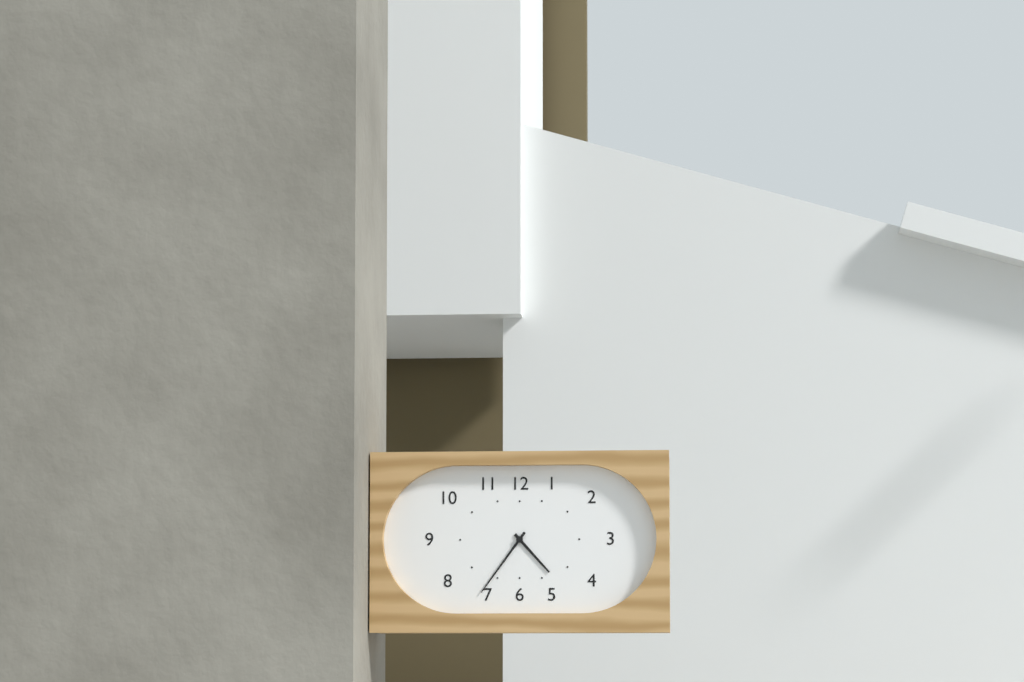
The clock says 4.36
